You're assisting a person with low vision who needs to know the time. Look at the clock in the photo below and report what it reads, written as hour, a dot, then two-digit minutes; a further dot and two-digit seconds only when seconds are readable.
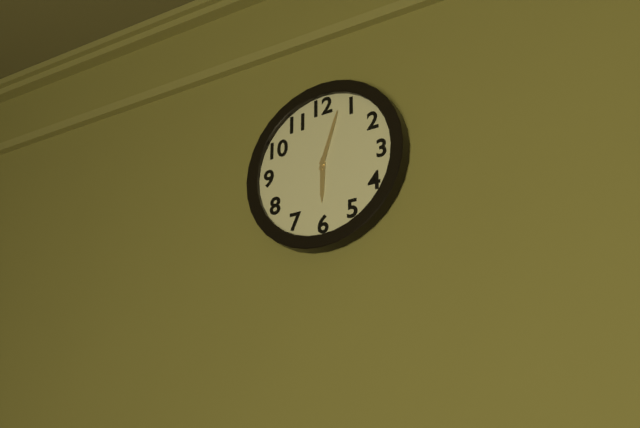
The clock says 6.03
